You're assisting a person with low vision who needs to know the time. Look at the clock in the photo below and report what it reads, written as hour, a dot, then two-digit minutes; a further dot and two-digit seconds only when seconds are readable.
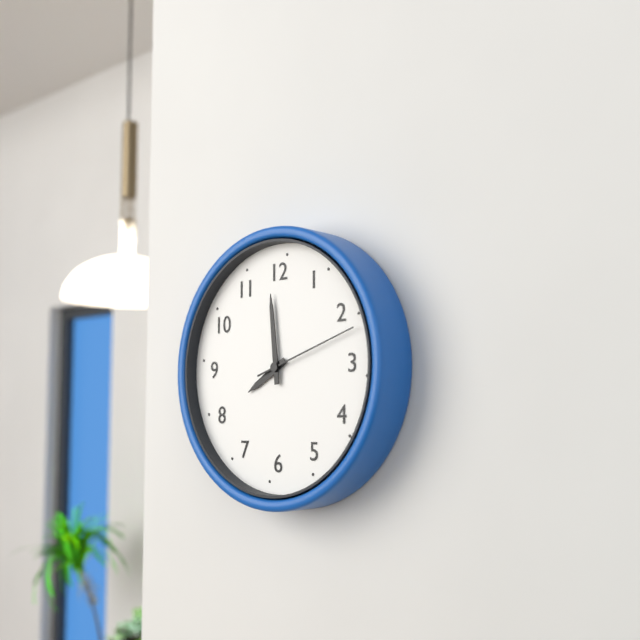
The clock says 7.59.12
